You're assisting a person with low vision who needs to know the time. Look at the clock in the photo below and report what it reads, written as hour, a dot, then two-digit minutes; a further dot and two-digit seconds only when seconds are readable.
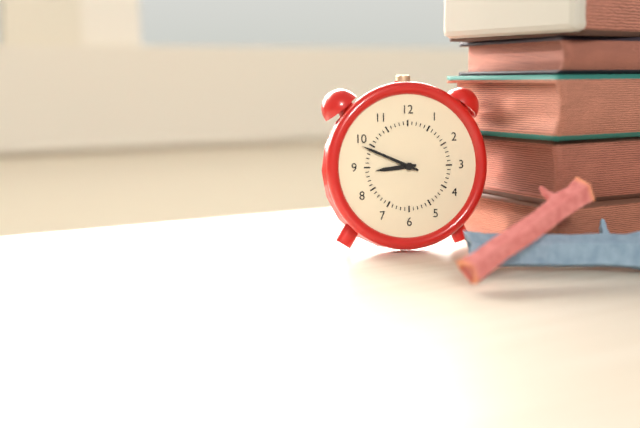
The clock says 8.49
